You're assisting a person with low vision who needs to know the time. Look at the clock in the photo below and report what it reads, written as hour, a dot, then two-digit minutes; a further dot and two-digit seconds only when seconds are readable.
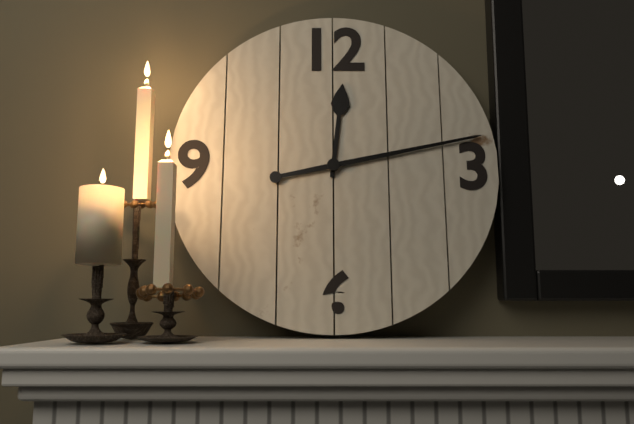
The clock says 12.13
